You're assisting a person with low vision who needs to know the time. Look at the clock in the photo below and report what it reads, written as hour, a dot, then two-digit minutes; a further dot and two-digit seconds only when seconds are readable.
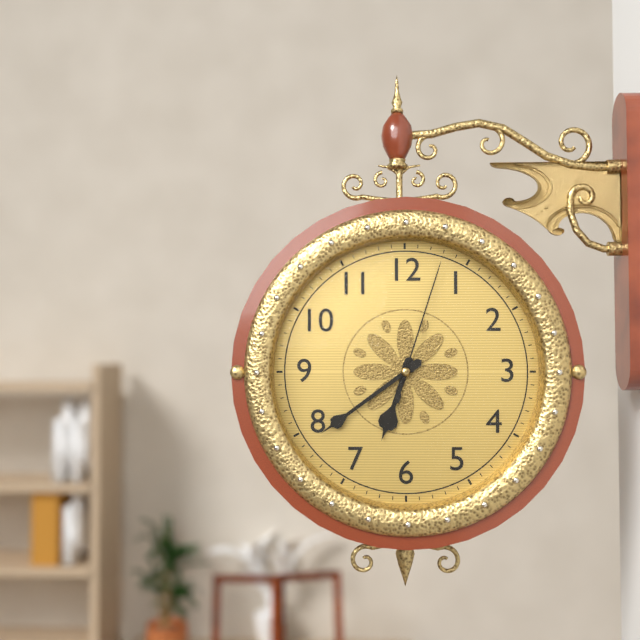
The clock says 6.39.03
